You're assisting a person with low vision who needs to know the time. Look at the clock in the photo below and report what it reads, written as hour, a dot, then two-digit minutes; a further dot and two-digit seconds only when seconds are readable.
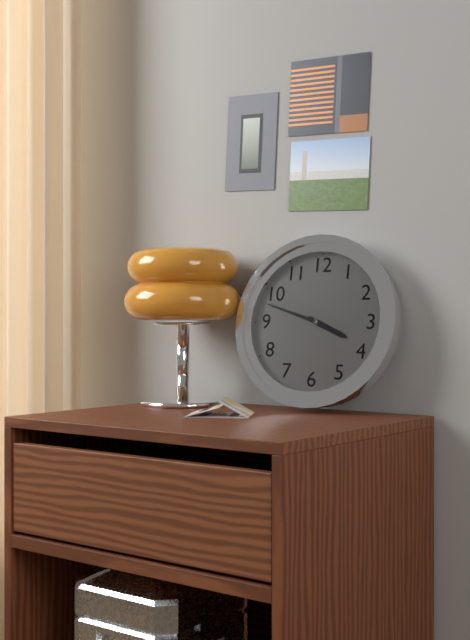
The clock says 3.48
